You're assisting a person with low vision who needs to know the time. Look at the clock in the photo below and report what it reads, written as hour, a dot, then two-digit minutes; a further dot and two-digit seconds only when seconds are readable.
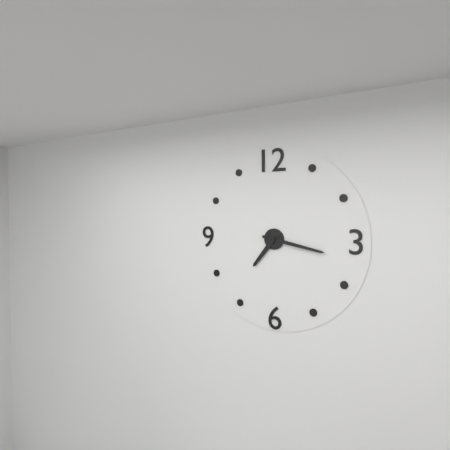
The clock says 7.17
